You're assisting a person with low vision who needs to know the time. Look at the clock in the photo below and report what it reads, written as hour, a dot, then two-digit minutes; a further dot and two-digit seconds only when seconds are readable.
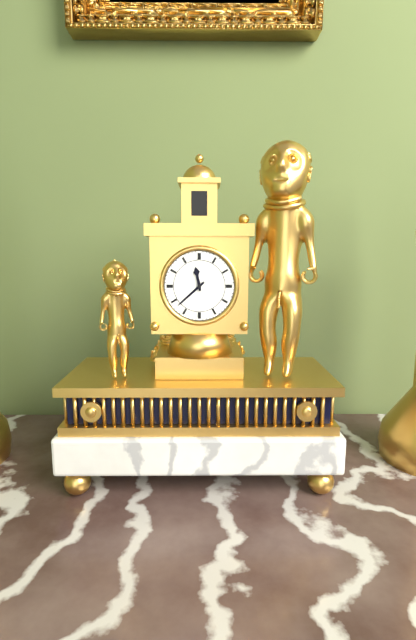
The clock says 11.38
